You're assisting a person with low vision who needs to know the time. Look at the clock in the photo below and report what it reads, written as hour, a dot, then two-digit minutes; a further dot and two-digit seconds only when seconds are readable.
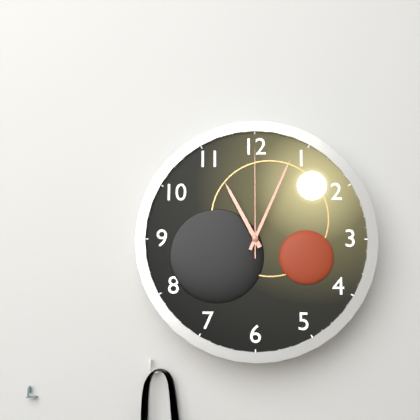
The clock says 11.04.00
